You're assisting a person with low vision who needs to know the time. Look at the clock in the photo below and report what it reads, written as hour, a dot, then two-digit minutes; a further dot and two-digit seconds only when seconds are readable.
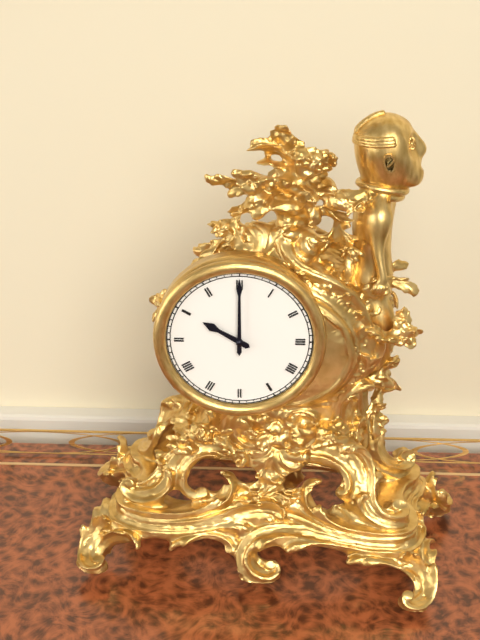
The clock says 10.00
